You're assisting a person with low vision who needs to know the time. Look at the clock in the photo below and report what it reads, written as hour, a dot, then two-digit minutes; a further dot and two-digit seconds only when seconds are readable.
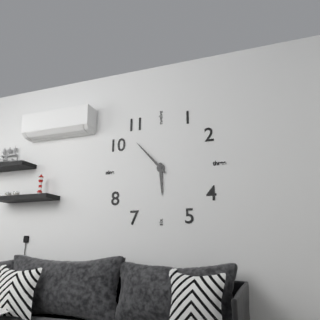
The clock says 5.53
